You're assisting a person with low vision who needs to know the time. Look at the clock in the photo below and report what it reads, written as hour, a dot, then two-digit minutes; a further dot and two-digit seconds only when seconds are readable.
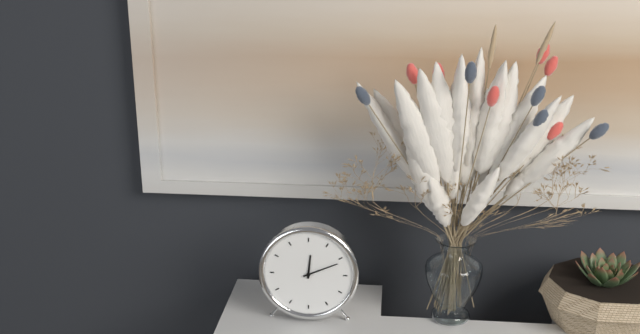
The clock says 12.11
